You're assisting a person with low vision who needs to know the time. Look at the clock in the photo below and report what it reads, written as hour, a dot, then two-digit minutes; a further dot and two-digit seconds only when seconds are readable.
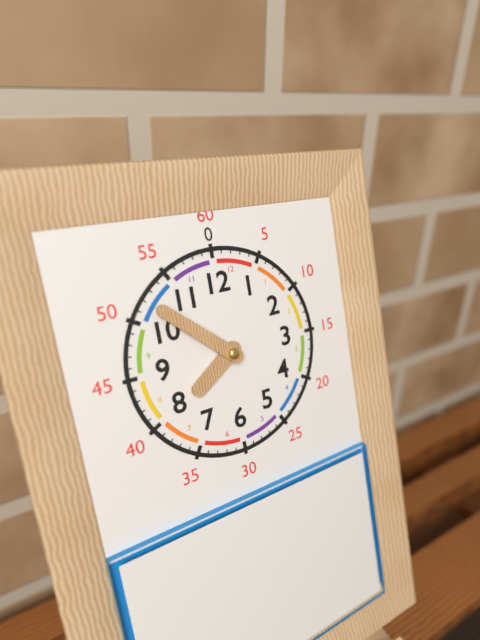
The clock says 7.52
